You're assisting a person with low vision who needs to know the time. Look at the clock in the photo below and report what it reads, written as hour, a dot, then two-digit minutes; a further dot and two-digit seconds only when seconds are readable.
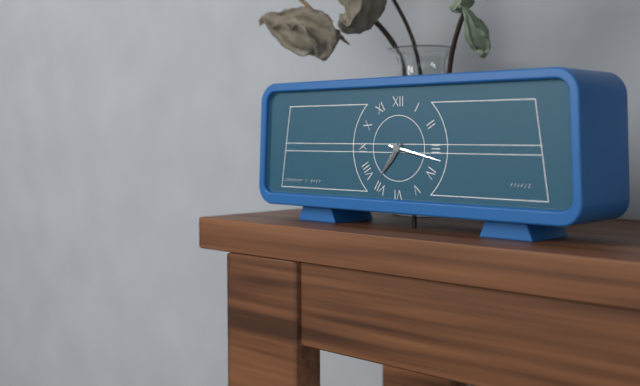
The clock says 7.17
